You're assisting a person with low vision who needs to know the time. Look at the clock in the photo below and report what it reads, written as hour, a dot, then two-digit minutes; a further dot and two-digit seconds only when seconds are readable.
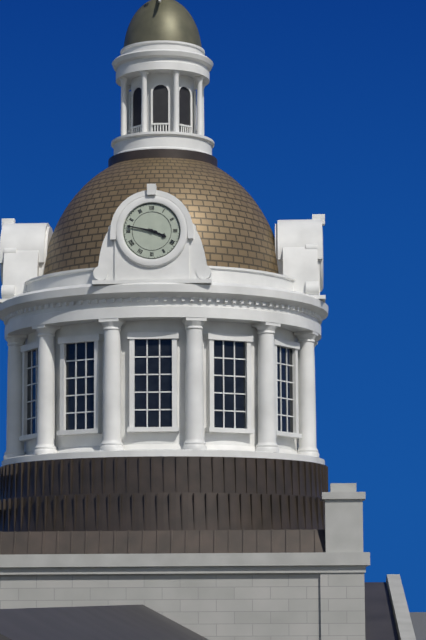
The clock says 3.47
